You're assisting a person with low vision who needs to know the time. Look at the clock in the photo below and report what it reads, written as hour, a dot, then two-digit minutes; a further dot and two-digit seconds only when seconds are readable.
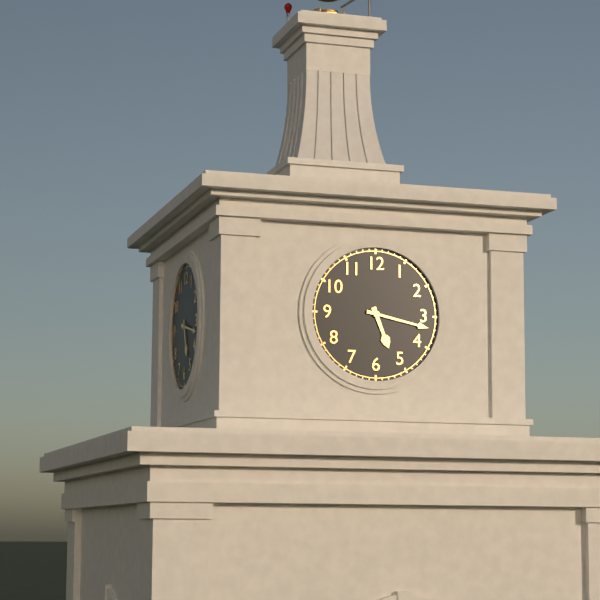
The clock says 5.17
